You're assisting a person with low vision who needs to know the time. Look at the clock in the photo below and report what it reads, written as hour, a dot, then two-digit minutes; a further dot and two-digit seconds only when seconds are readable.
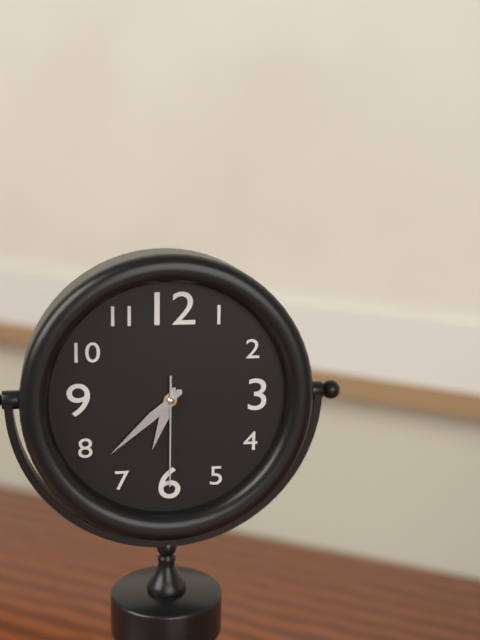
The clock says 6.38.30
